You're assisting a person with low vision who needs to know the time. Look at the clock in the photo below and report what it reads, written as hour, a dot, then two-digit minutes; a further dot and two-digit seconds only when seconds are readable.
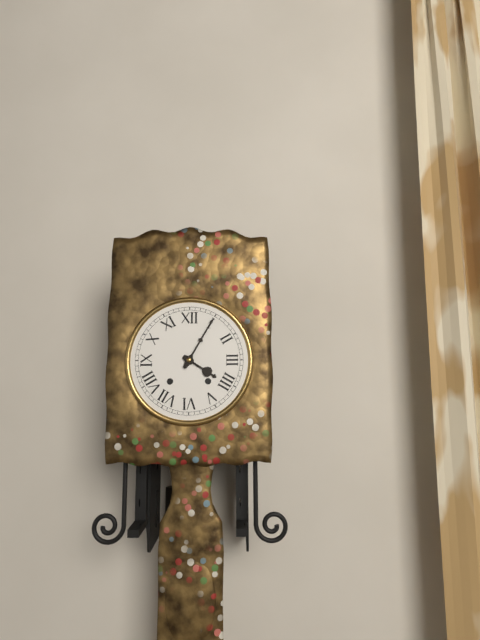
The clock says 4.05
